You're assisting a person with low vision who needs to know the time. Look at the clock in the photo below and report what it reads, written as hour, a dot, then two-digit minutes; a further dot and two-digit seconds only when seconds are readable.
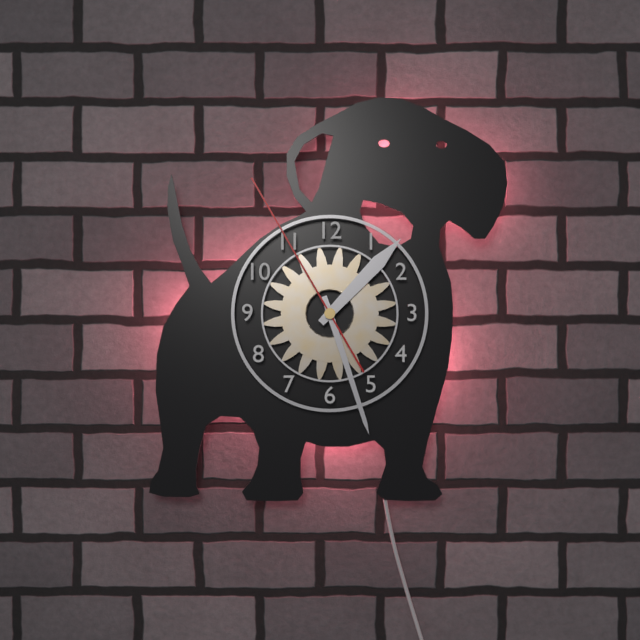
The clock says 1.27.55
